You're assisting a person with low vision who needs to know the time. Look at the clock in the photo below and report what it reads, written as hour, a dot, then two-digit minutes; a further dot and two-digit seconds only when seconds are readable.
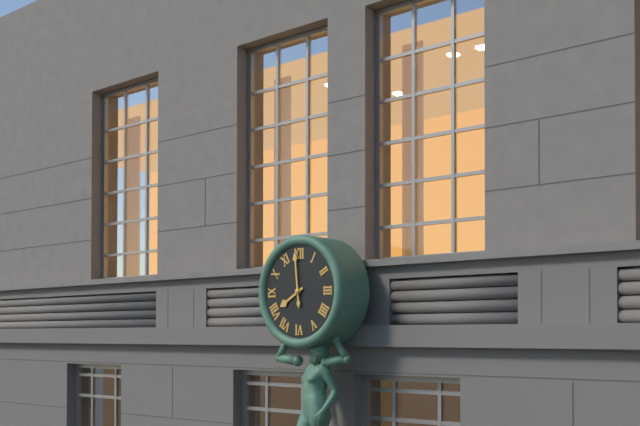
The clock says 7.59
